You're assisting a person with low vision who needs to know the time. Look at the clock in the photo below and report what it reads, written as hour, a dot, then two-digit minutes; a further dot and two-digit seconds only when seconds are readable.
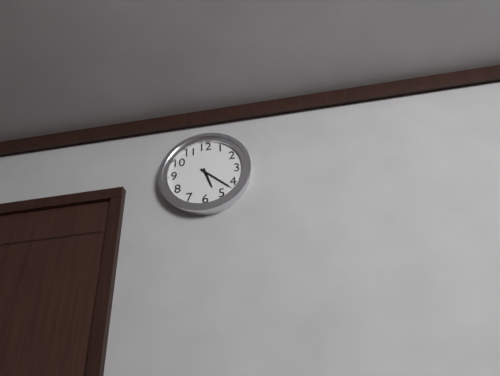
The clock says 5.22
